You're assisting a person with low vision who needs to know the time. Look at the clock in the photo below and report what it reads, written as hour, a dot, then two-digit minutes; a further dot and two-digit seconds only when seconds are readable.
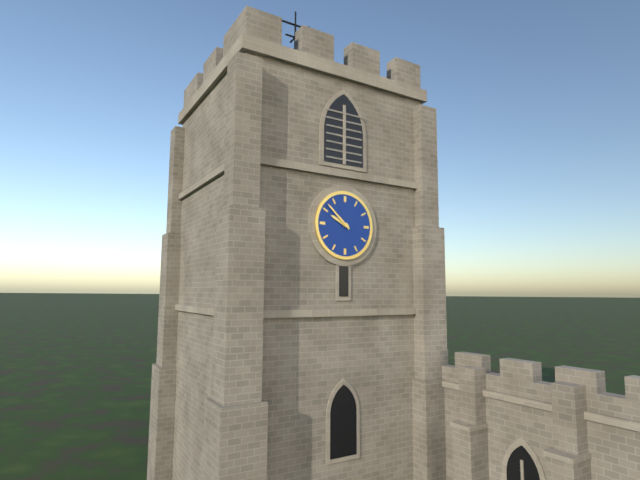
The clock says 9.52
